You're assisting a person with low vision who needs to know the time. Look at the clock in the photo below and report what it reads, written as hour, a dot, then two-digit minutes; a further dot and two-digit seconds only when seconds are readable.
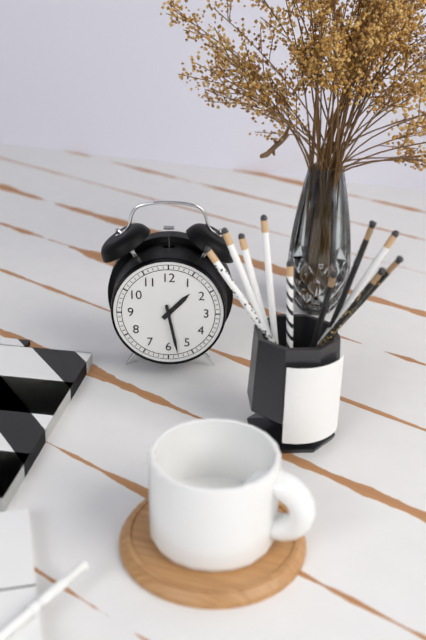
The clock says 1.28
